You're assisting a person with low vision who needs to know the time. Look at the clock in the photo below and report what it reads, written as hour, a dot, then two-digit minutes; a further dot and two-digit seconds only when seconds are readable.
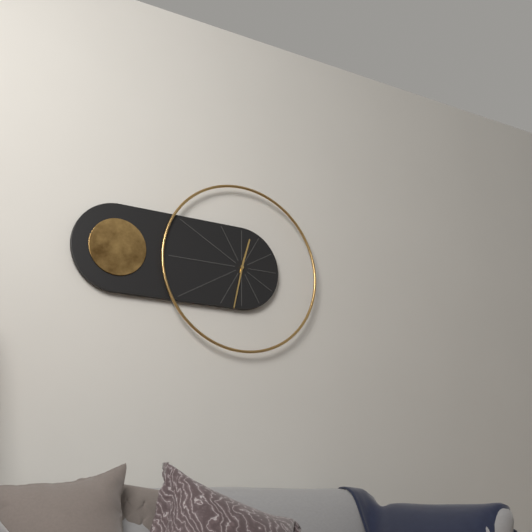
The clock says 12.32
